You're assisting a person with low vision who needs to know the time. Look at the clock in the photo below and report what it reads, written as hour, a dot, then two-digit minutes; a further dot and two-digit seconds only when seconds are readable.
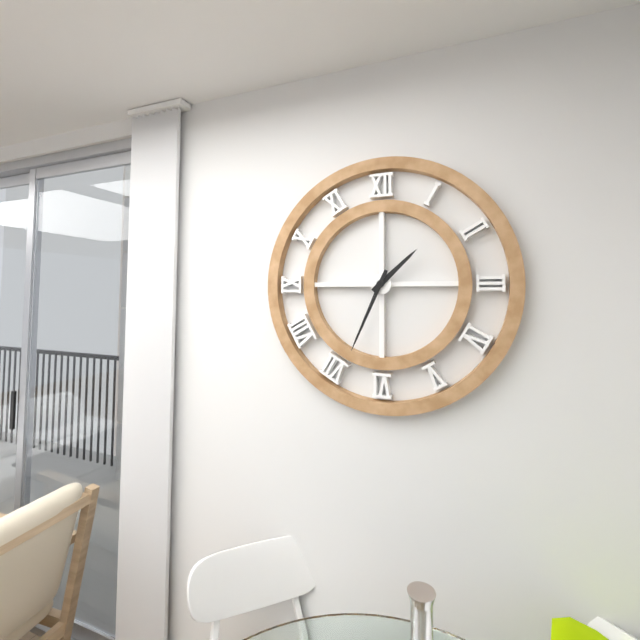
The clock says 1.34
